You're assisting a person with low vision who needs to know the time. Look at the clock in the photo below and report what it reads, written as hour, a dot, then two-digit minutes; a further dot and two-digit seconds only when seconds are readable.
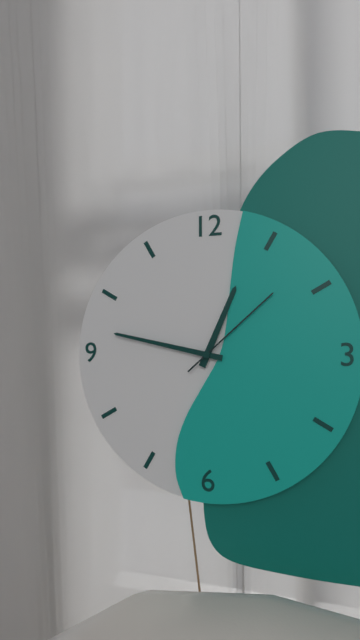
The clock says 12.47.08
